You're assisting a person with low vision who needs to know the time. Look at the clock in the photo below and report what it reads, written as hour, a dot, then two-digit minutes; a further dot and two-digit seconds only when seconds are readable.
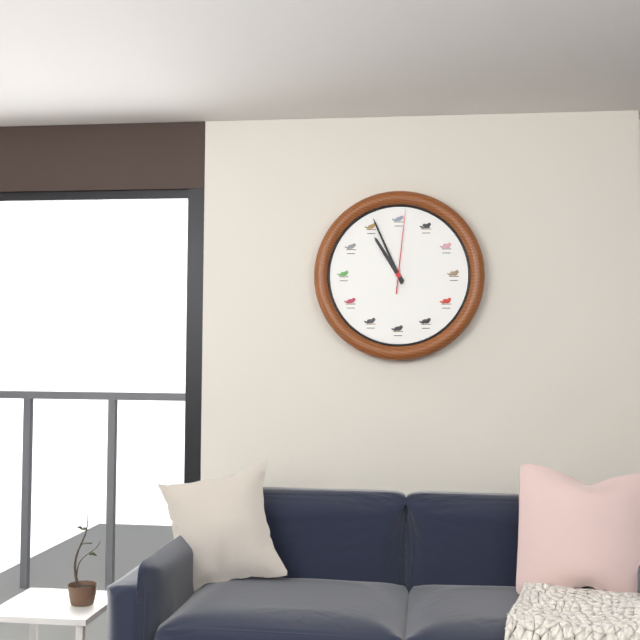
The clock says 10.56.01
